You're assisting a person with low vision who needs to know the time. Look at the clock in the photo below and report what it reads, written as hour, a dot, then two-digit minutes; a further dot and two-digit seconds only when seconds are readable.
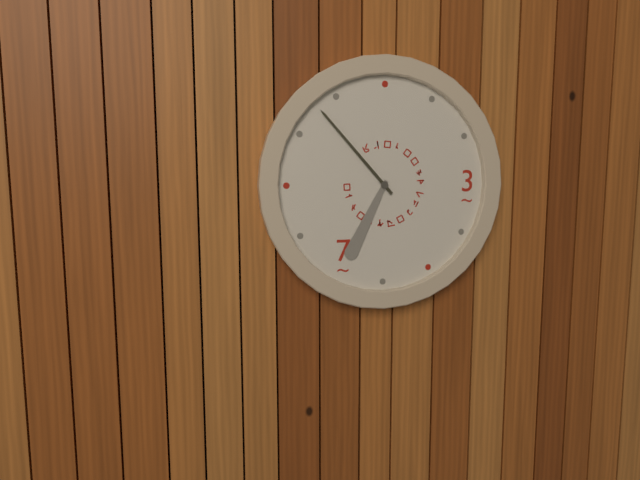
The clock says 6.53
